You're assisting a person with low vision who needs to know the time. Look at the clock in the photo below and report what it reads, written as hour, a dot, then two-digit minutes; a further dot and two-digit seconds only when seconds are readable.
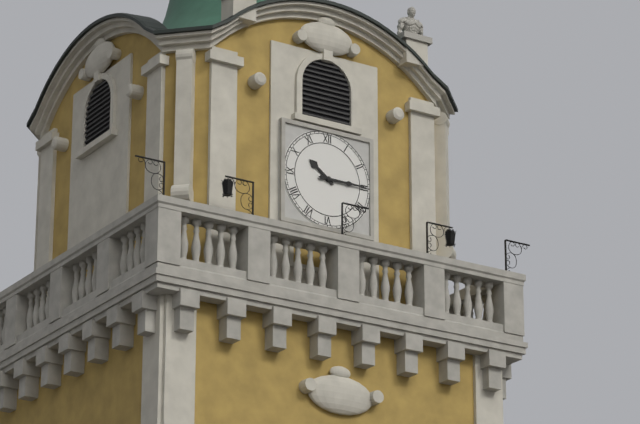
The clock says 10.15
